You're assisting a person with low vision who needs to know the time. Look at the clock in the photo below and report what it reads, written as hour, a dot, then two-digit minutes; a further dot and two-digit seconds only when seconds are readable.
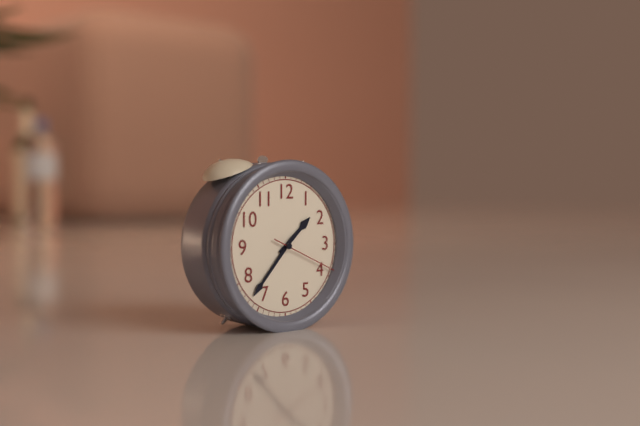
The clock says 1.37.19
